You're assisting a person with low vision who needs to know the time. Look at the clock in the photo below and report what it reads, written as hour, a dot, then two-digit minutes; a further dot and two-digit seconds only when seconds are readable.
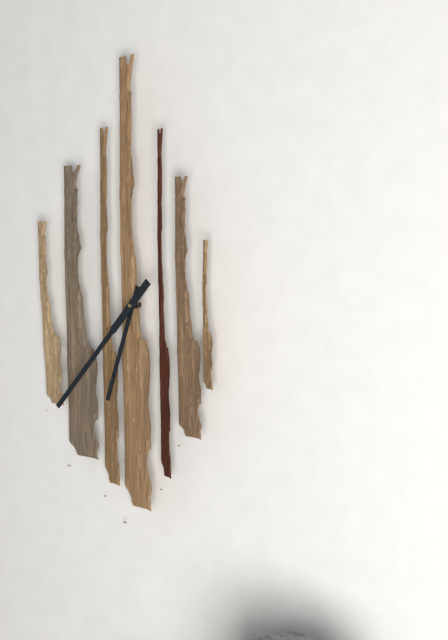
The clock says 6.37
